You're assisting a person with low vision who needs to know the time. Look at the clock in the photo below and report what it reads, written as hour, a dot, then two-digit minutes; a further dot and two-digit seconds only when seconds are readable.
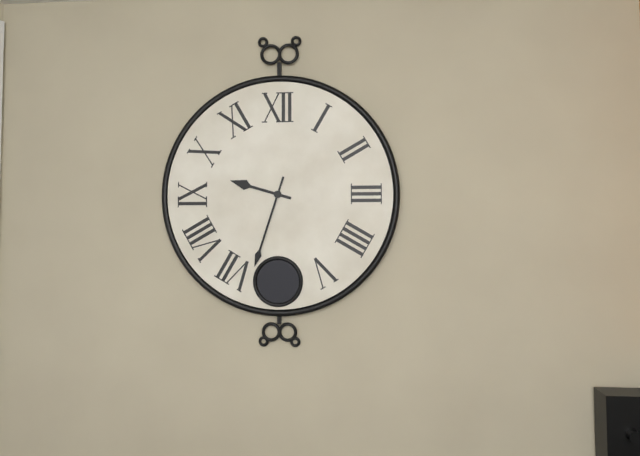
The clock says 9.33
